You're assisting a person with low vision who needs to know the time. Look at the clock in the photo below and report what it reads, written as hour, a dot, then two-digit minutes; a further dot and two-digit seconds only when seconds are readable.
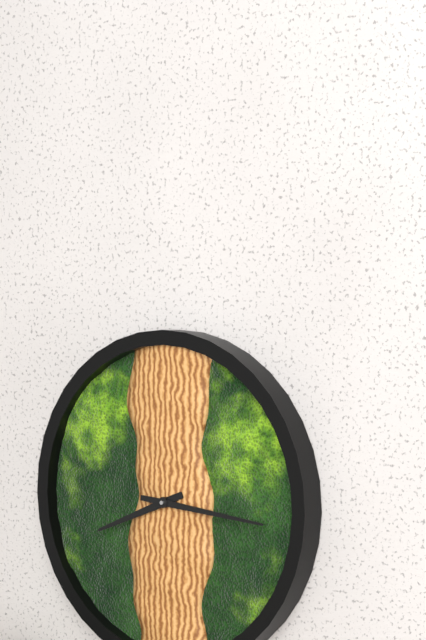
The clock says 8.16
